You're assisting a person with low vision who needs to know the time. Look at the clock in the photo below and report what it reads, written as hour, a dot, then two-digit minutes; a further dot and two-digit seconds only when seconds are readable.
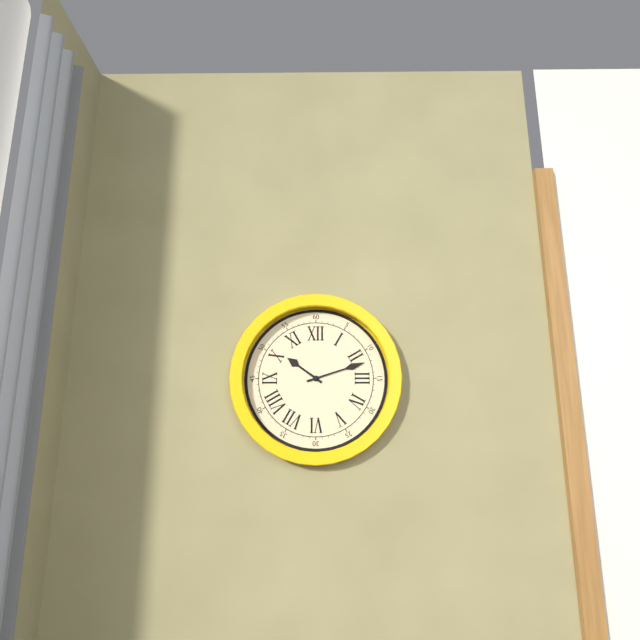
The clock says 10.12
